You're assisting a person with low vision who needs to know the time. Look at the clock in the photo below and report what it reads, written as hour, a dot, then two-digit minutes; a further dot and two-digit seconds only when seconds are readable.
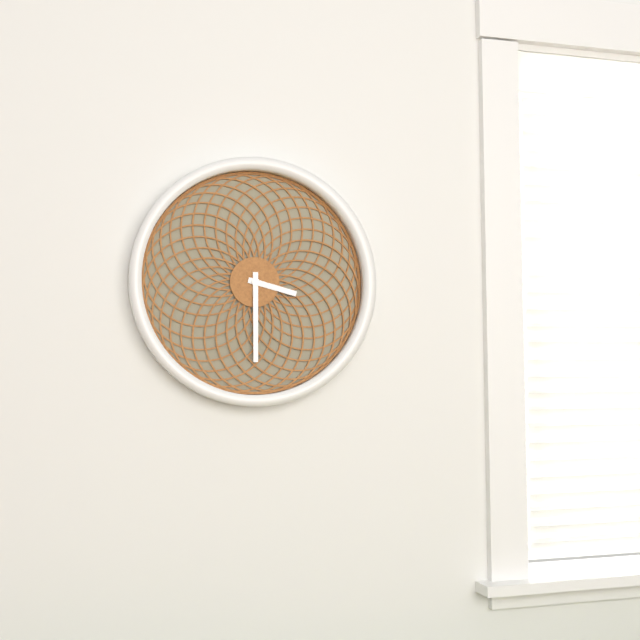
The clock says 3.30
